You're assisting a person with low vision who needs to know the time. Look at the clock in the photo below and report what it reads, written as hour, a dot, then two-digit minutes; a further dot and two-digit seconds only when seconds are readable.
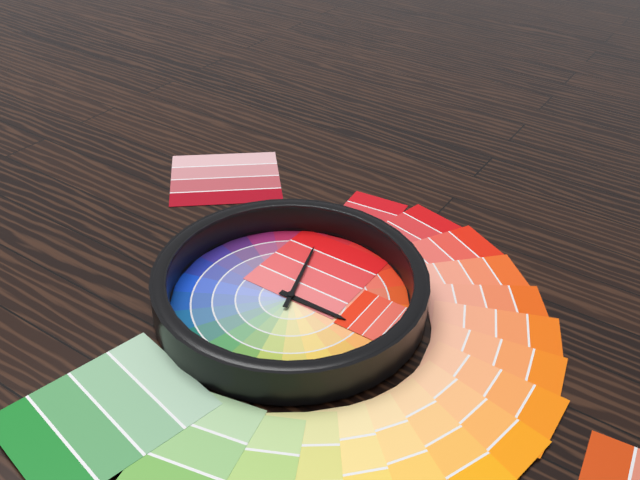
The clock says 2.57
